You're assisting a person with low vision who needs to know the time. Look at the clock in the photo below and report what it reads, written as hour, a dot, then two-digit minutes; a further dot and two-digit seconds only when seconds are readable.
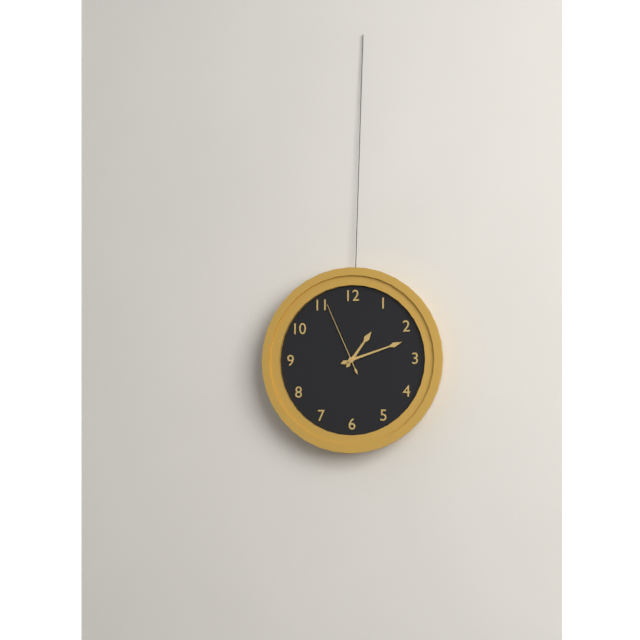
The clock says 1.12.56
